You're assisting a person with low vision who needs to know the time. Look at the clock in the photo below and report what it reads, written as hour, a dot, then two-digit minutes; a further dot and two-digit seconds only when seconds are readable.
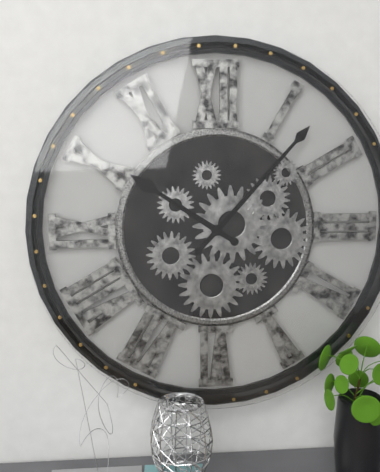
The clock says 10.07
